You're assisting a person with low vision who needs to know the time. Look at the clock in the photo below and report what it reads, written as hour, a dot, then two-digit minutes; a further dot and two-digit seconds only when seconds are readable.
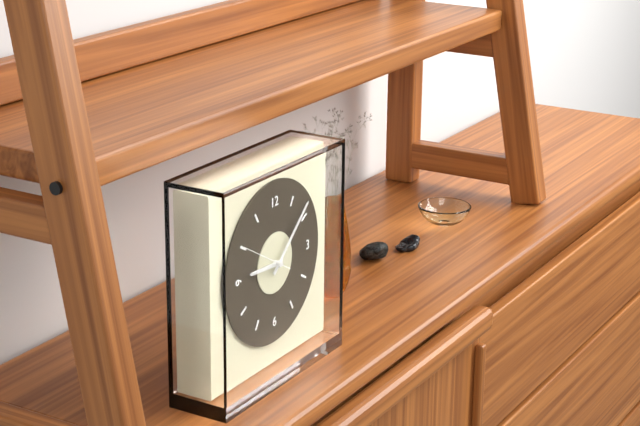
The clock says 9.08.50
